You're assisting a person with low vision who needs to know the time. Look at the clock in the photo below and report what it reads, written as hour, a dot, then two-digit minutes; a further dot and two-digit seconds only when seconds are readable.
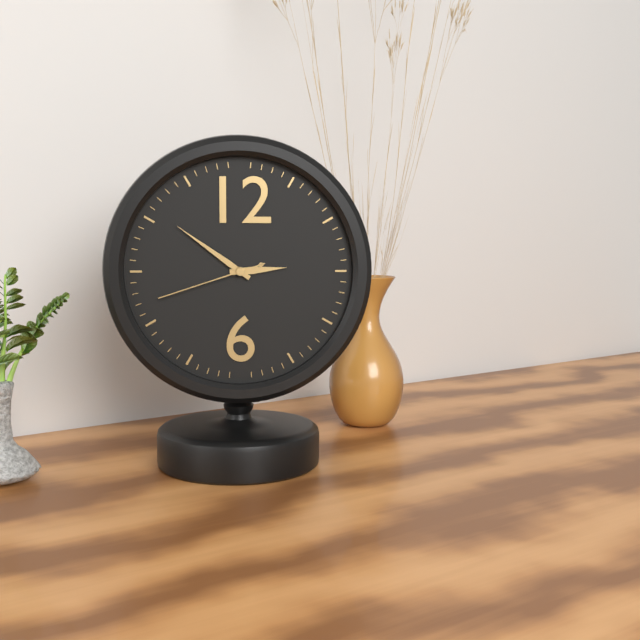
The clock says 2.51.42
